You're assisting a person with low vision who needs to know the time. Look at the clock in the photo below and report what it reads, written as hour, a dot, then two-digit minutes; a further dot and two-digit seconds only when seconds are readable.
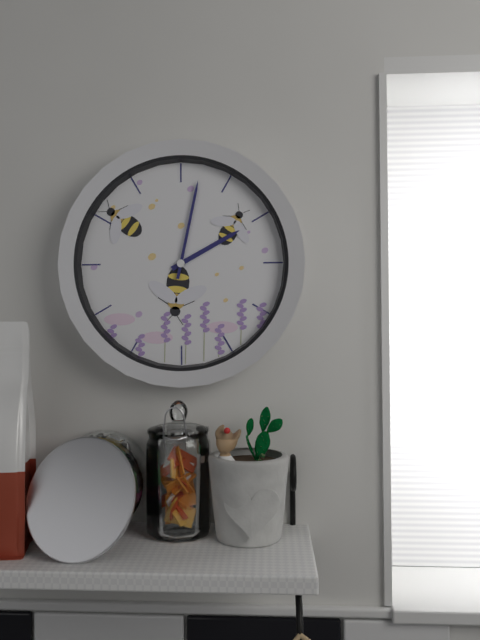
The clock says 2.02
